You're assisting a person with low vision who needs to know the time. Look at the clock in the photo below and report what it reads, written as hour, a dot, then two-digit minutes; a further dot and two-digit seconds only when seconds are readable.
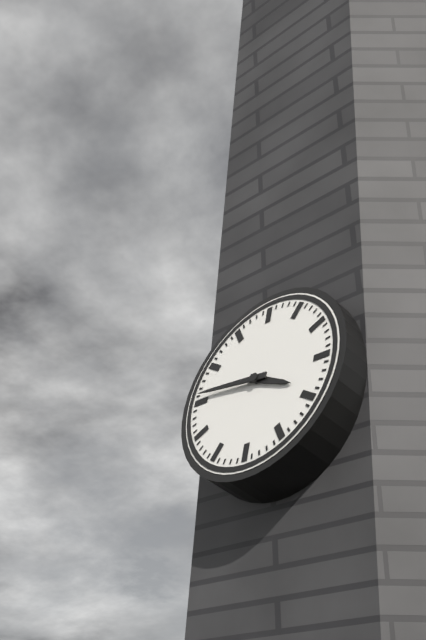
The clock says 3.46
